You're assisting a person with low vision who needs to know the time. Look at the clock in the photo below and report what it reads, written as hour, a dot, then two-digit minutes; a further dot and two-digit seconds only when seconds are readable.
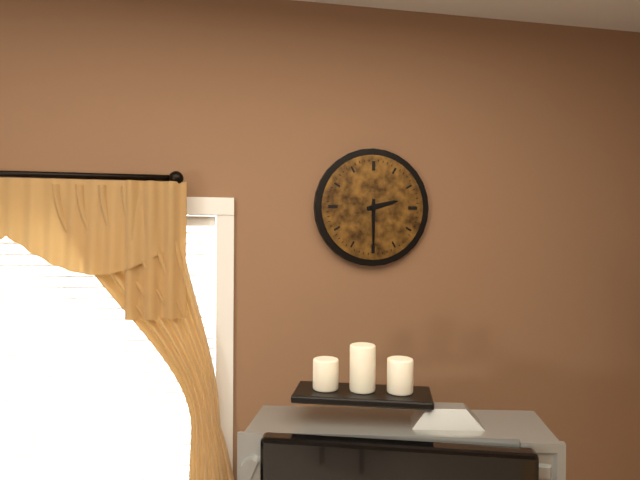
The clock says 2.30
